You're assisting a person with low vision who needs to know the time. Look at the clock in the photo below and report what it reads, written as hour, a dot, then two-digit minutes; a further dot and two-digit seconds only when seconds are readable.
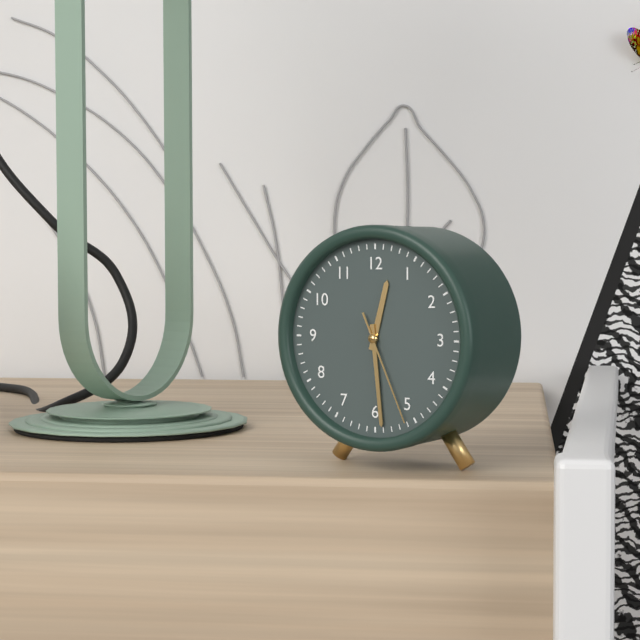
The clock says 12.29.26
